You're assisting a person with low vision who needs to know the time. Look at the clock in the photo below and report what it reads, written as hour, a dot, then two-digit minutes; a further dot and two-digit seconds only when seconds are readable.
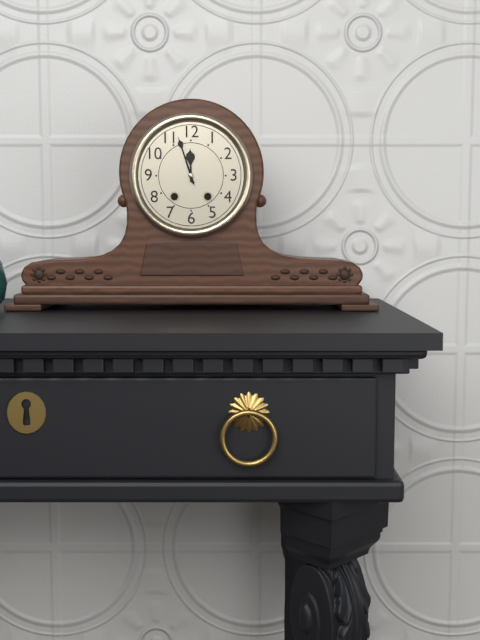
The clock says 11.57
